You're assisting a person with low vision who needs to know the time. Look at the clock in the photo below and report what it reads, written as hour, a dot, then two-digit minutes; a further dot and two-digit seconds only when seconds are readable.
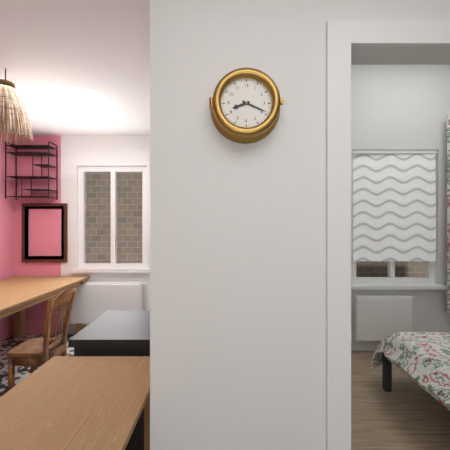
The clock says 8.19
